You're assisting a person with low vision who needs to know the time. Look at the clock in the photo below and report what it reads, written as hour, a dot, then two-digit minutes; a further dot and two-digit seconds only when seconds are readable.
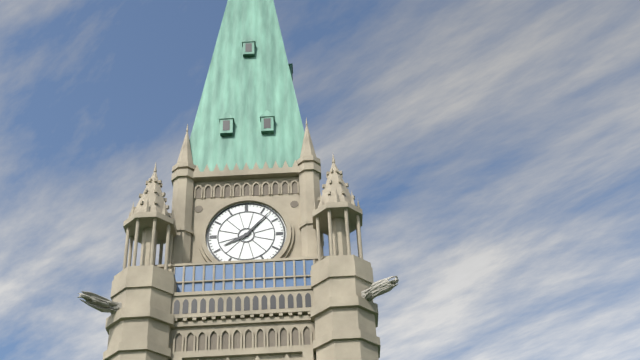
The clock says 8.07
